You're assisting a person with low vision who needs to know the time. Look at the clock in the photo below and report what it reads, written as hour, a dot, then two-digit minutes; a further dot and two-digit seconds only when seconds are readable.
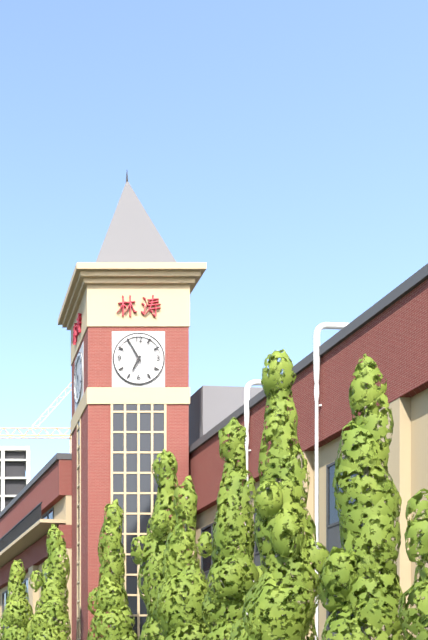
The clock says 6.55
